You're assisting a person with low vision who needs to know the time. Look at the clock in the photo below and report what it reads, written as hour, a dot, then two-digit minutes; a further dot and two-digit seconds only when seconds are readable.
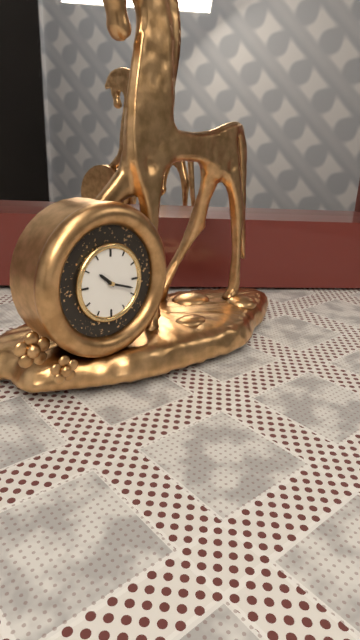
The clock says 10.18
